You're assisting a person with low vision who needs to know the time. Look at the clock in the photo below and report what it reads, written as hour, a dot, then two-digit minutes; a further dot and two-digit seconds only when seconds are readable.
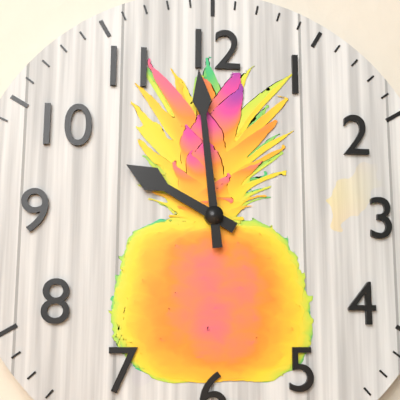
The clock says 9.59
